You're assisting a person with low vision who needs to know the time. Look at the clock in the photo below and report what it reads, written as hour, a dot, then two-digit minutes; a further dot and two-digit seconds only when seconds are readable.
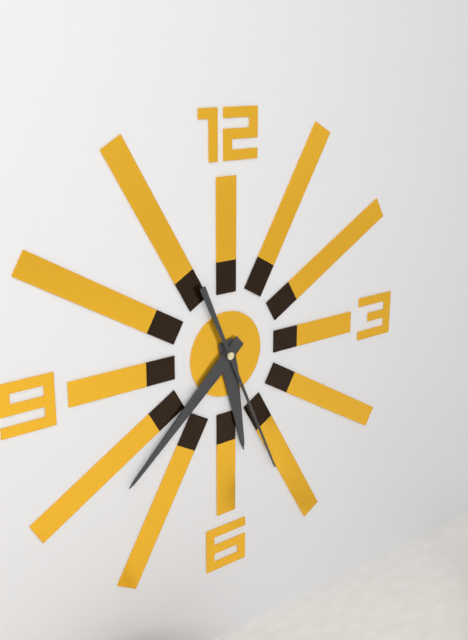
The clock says 5.38.26
